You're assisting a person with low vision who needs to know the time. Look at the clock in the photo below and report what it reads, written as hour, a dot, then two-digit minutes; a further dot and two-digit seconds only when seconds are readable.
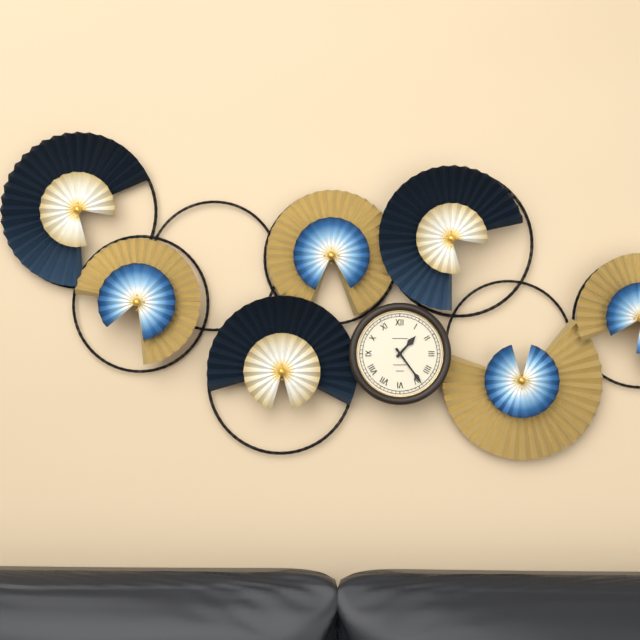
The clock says 1.24
